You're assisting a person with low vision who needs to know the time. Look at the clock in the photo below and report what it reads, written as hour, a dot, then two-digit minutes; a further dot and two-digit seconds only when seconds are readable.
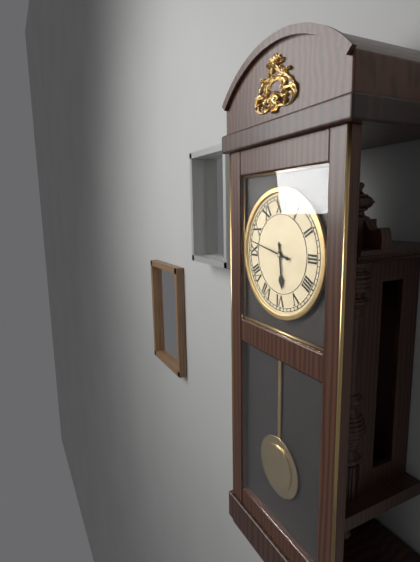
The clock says 5.47
